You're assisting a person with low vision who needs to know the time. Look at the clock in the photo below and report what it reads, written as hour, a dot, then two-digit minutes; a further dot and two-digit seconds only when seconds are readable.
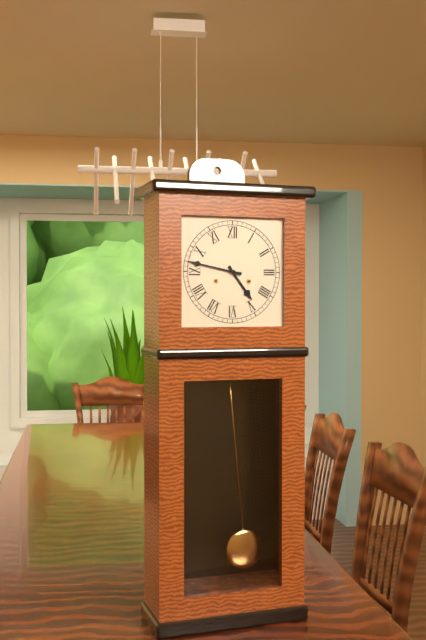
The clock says 4.47
